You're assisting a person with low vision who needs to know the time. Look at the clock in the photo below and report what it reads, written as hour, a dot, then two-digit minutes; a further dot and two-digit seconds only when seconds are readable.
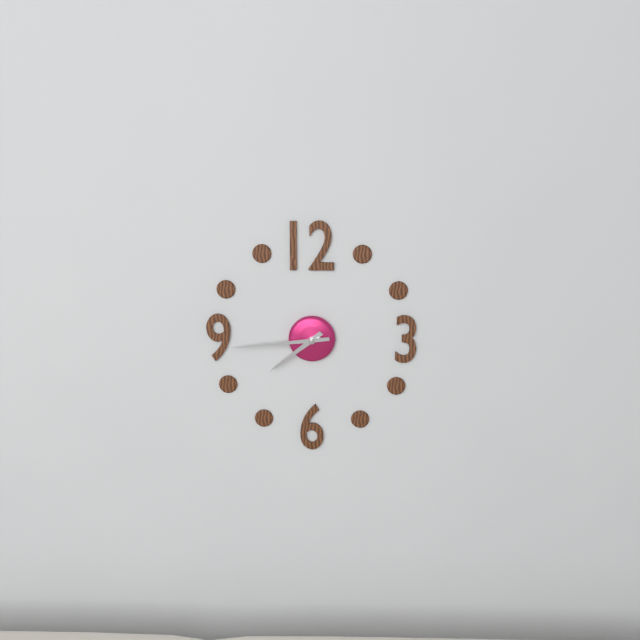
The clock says 7.44
